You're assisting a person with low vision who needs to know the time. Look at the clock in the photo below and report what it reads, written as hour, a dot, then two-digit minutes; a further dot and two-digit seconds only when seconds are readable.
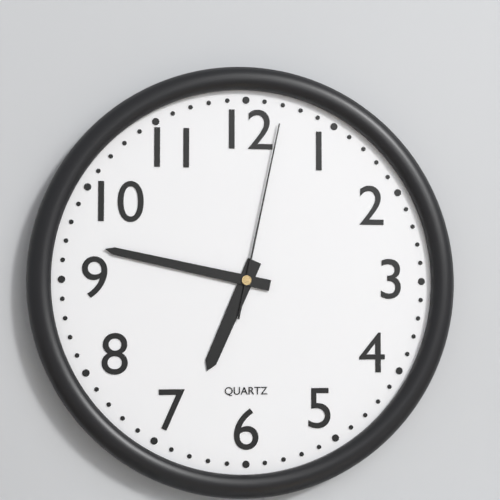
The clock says 6.47.02
